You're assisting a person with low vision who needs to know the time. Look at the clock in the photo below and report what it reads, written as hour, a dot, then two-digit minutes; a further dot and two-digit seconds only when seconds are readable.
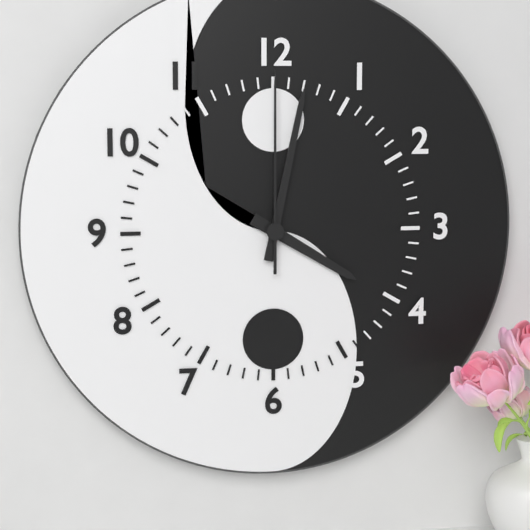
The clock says 4.02.00
